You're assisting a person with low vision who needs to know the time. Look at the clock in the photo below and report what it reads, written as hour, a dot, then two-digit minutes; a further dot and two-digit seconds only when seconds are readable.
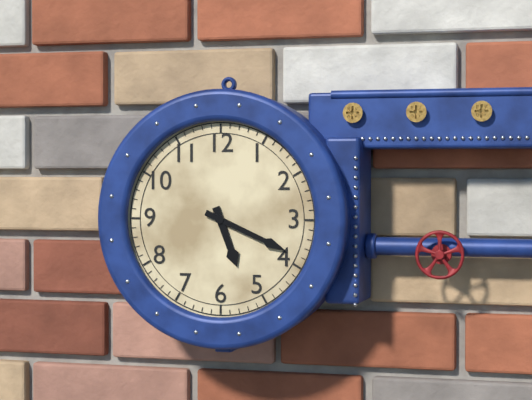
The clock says 5.19
